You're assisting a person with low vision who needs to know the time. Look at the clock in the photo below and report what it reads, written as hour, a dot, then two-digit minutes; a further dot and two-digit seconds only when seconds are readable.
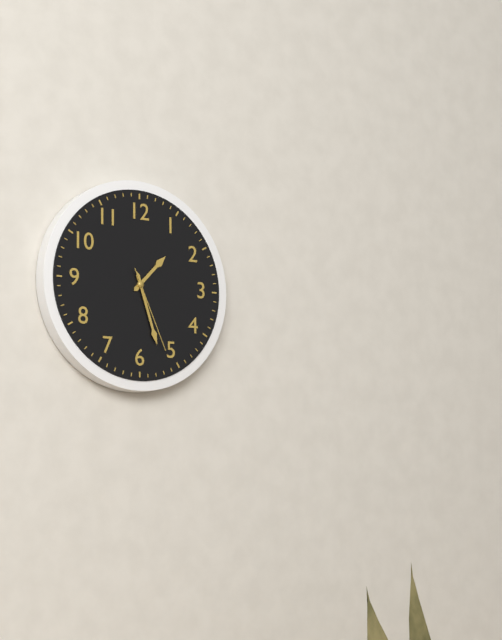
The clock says 1.27.26
